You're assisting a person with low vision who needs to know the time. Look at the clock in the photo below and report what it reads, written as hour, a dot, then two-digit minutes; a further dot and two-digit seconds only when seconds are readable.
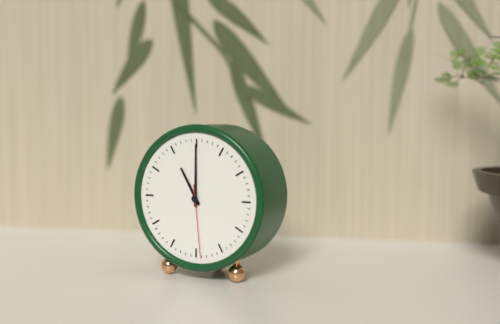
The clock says 11.00.29
